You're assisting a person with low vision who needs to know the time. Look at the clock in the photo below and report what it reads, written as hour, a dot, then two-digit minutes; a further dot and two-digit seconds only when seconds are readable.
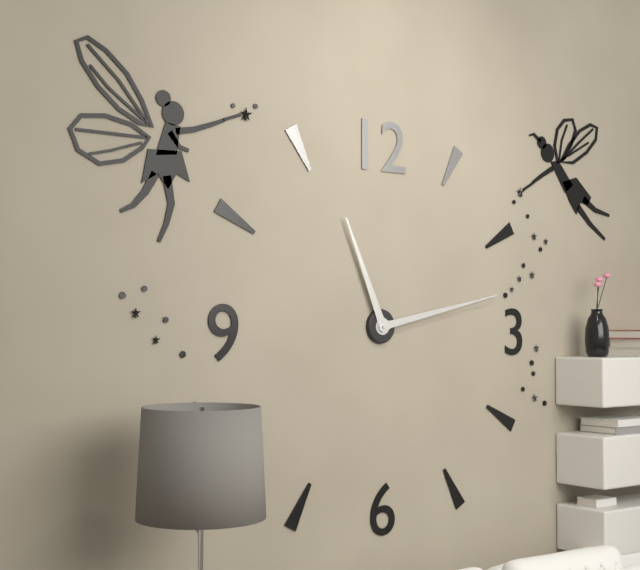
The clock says 11.13
